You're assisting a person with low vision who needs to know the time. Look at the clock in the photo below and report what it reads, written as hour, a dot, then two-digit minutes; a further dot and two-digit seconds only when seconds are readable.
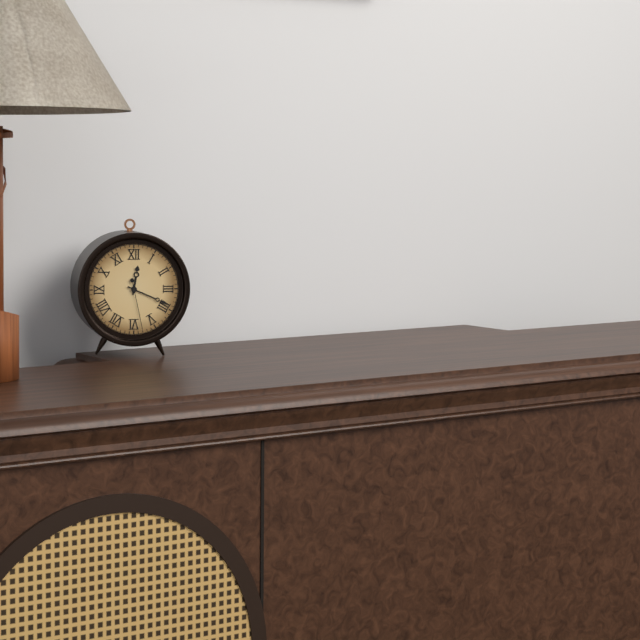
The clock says 12.19.28
